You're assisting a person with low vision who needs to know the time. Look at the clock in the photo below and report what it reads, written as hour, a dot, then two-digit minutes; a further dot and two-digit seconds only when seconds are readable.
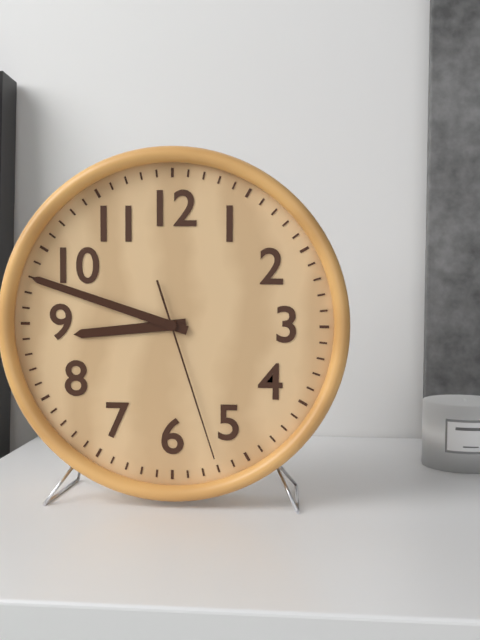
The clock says 8.48.27
